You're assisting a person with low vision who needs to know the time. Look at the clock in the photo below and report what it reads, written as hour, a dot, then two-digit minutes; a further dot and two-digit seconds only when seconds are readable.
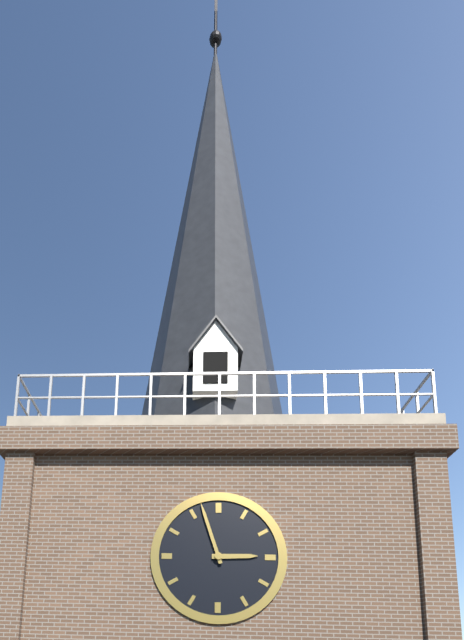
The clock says 2.57
